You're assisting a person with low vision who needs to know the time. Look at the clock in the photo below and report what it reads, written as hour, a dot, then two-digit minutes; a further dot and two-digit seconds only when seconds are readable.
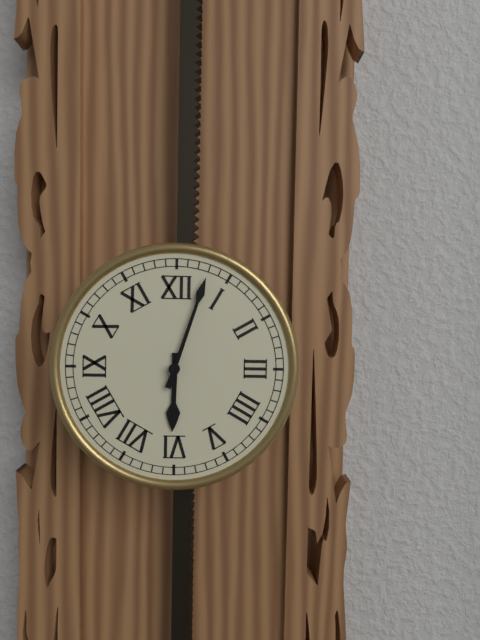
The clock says 6.03
